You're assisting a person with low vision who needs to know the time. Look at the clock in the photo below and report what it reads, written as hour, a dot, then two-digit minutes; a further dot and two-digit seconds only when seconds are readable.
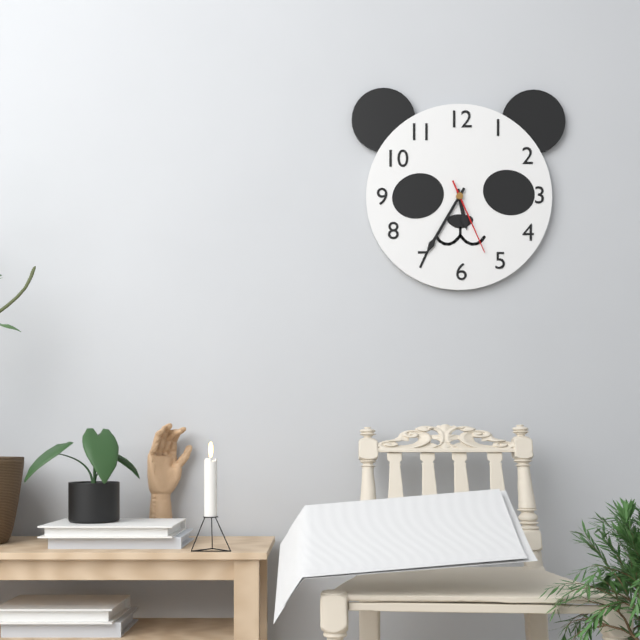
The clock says 5.35.26
